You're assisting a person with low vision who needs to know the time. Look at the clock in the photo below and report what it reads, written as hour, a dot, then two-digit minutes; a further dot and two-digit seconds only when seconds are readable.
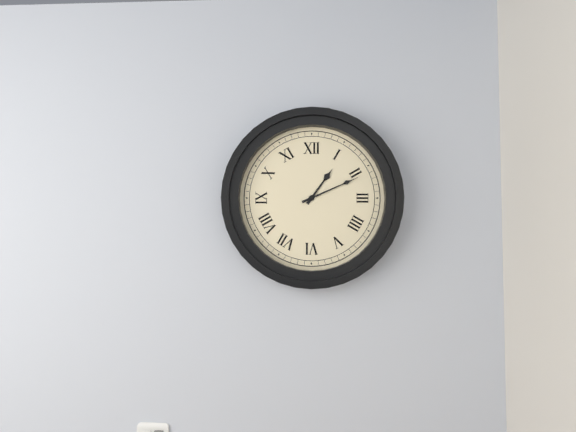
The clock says 1.11
